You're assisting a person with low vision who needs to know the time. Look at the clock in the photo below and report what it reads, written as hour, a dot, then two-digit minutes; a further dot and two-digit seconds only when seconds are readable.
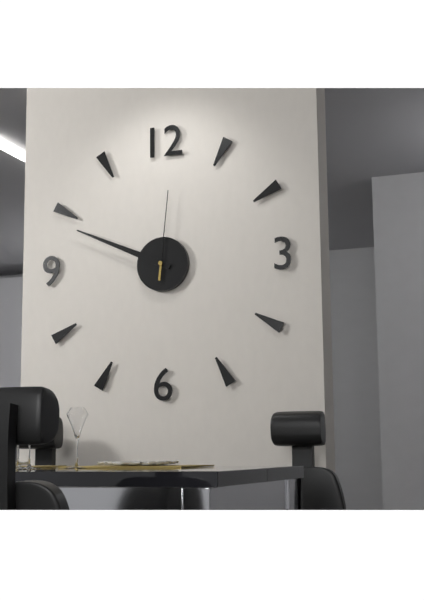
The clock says 9.49.01
